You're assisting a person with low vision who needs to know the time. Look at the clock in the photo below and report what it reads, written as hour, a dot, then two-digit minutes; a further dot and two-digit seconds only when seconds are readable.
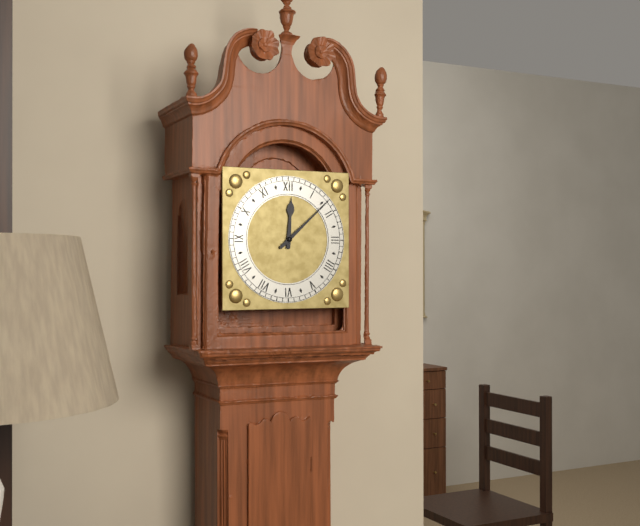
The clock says 12.08
